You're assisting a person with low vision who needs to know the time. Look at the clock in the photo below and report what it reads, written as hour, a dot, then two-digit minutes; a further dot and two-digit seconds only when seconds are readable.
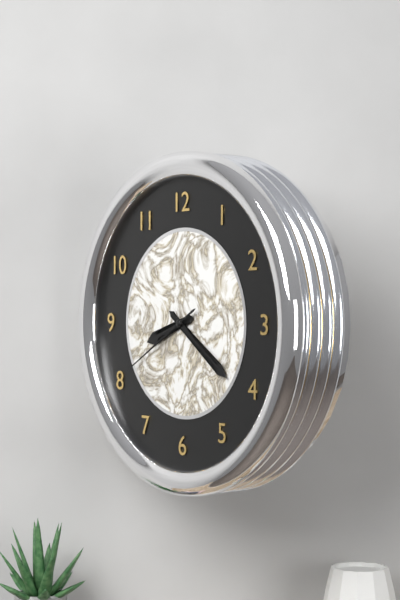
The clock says 8.21.40
